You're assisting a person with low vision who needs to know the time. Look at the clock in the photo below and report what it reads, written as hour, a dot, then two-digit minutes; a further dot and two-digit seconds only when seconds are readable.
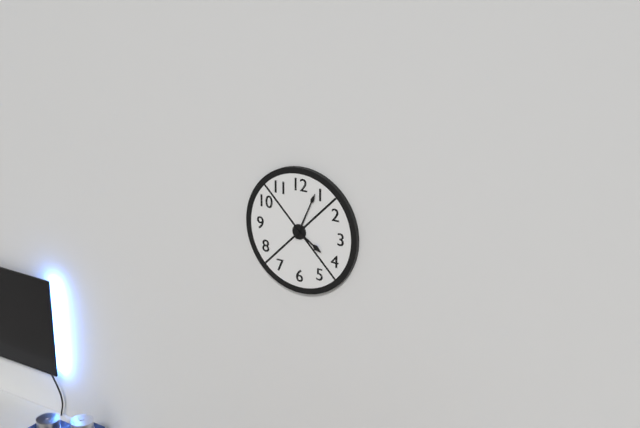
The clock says 4.04
